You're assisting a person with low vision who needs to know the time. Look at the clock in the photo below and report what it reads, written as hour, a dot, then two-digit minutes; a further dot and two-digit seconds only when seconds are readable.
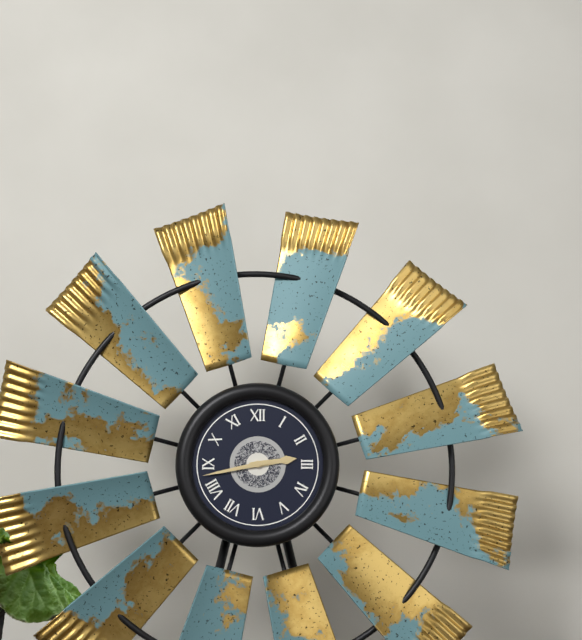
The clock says 2.43
